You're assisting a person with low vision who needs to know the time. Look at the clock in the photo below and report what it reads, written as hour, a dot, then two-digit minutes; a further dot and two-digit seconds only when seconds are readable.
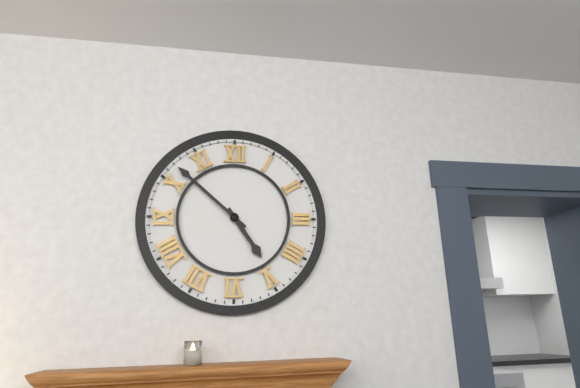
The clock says 4.52
